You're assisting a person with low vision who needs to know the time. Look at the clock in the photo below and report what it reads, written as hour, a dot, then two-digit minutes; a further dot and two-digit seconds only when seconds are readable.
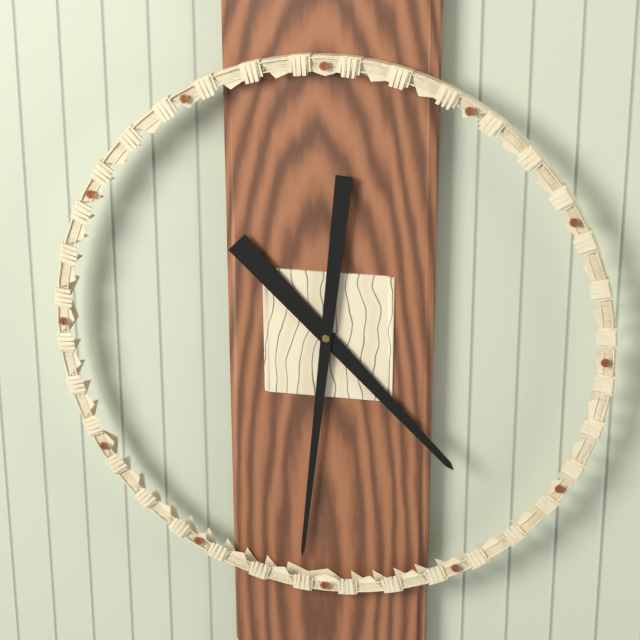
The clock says 4.31
